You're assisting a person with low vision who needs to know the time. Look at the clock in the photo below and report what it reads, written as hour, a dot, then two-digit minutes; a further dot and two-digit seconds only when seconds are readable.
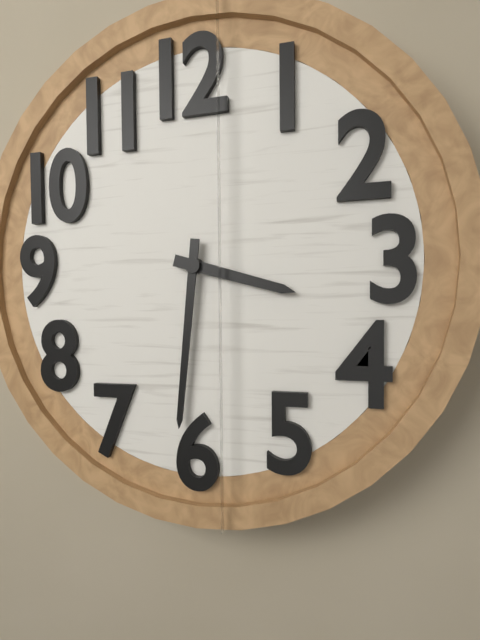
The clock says 3.31
